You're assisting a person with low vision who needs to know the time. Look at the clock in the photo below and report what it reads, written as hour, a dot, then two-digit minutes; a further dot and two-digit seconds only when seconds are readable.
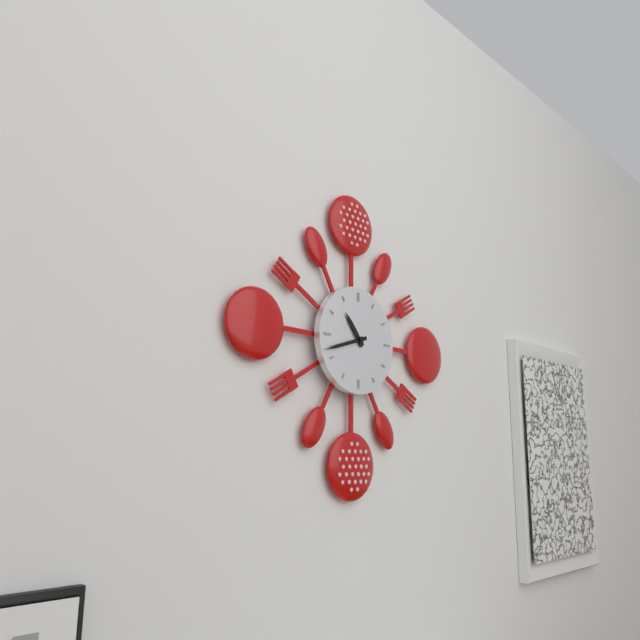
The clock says 10.42
